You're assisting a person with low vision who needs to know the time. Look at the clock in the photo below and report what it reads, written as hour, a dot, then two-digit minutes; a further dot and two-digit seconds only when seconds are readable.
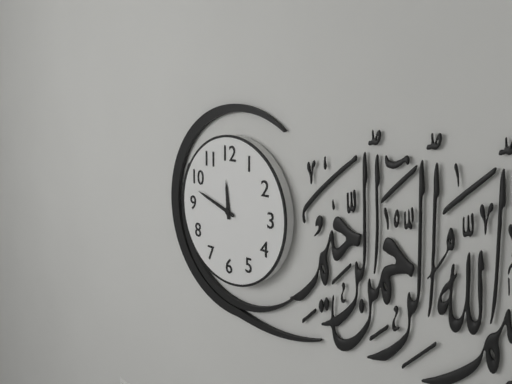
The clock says 11.48
